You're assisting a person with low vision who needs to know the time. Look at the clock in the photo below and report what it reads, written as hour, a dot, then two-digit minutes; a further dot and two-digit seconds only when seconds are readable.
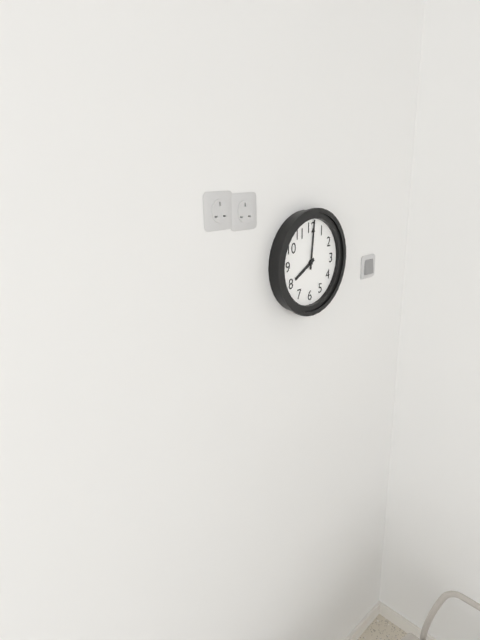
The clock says 8.01
